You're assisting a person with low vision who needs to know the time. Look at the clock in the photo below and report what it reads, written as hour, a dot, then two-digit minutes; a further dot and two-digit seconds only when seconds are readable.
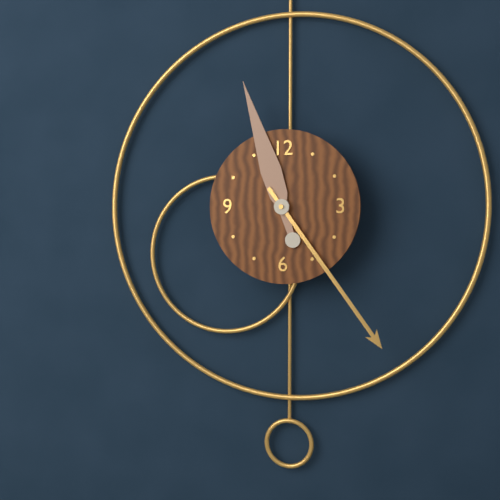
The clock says 11.24
